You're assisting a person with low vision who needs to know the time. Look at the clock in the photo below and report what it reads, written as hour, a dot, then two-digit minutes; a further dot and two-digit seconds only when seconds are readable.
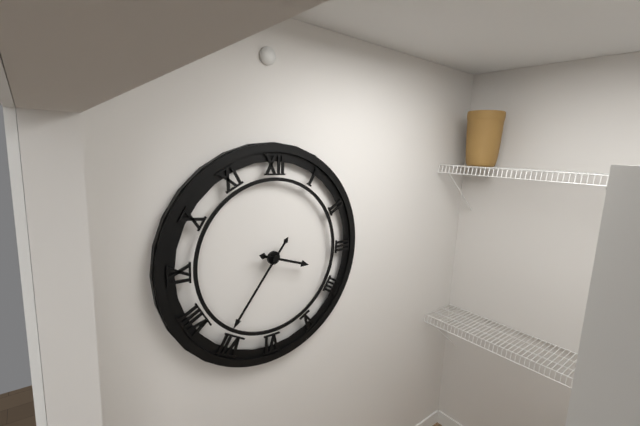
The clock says 3.36
